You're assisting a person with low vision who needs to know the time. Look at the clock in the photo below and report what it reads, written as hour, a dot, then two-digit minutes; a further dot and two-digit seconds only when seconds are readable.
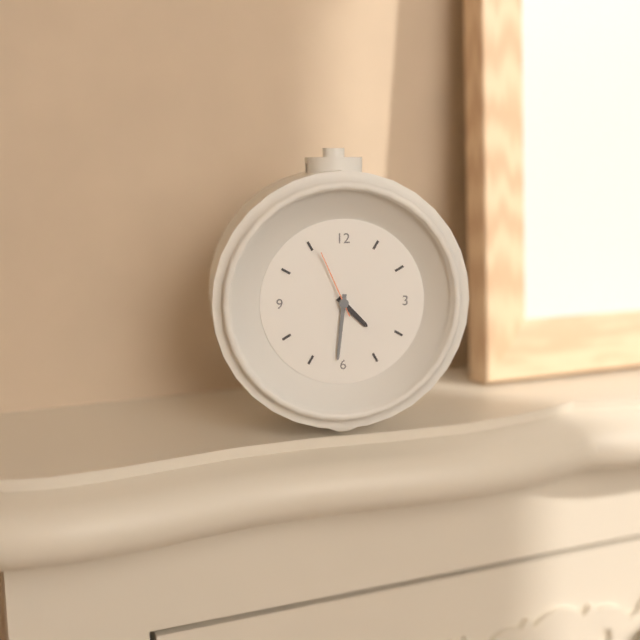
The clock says 4.31.56
